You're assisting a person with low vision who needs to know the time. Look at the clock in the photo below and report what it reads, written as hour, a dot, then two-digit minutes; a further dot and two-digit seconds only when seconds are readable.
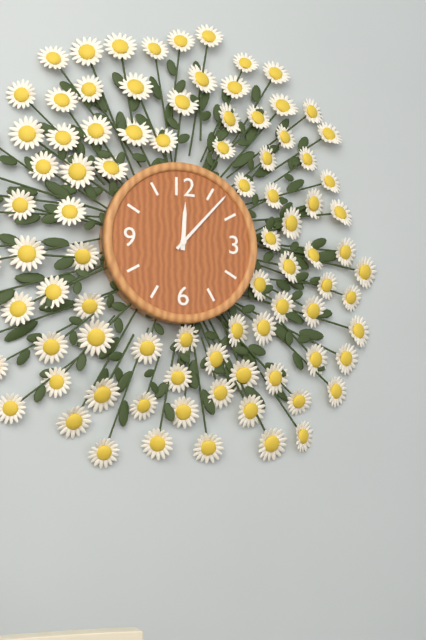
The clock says 12.07
